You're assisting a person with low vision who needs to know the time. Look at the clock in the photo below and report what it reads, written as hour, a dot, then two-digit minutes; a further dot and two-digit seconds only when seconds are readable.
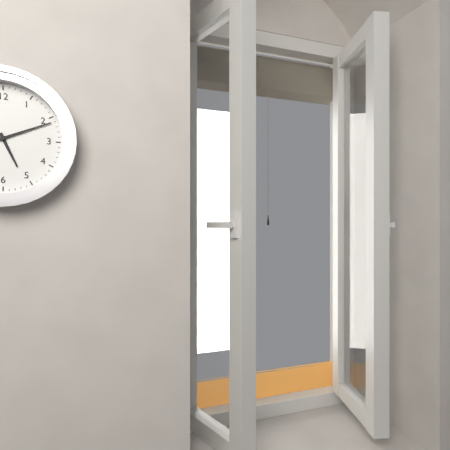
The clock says 5.11
